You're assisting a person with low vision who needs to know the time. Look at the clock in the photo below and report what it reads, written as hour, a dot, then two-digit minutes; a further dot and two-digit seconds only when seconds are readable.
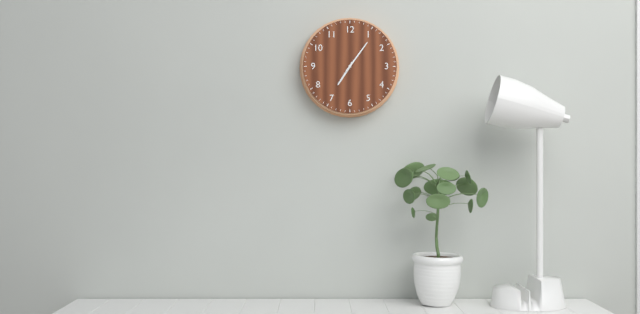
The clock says 7.06
